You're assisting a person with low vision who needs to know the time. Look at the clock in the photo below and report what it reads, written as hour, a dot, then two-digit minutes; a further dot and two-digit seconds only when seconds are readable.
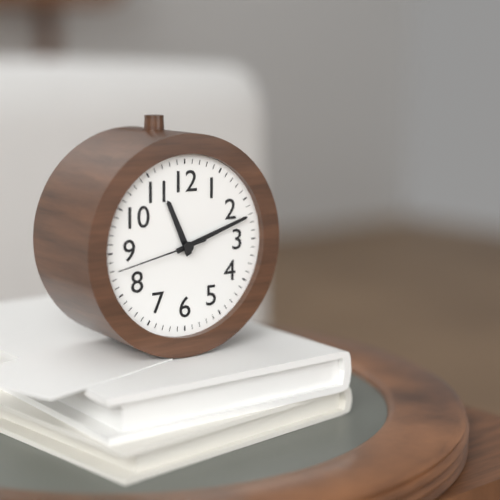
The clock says 11.12.43
